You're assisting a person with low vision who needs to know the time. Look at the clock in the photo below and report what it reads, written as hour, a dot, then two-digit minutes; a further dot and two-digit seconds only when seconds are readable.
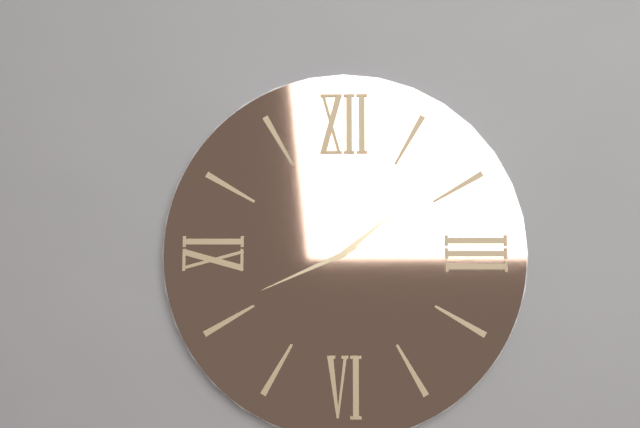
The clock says 1.41
